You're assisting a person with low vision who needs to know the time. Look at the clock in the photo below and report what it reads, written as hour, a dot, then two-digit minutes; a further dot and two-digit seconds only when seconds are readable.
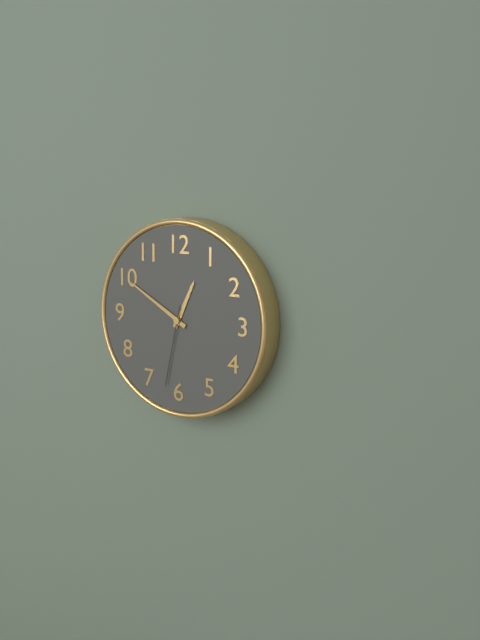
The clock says 12.50.32
